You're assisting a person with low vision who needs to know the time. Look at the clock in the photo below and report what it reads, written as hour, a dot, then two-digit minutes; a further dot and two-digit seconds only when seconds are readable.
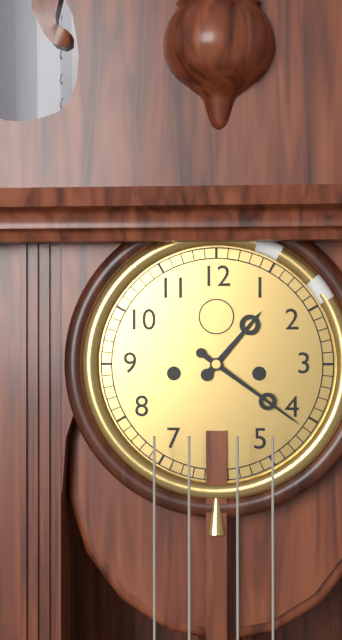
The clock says 1.21
